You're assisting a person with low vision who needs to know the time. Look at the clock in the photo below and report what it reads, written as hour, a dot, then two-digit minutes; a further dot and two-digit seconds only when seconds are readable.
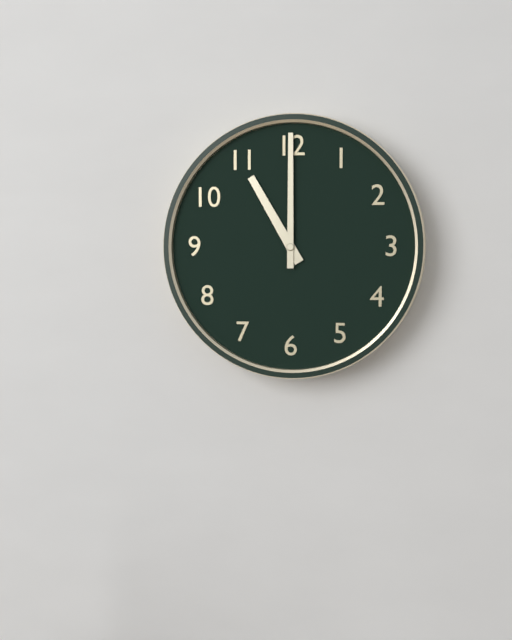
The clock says 11.00
